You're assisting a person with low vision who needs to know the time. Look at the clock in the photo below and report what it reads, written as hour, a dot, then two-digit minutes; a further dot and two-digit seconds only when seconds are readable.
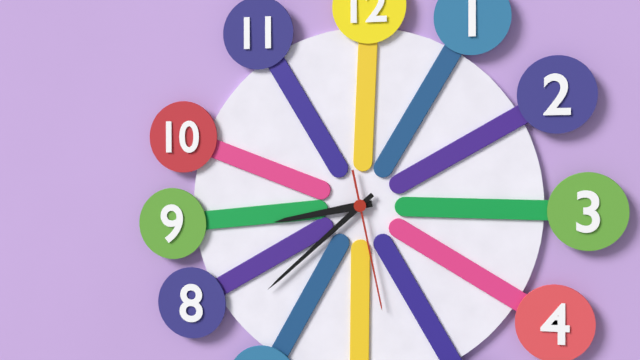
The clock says 8.38.28
